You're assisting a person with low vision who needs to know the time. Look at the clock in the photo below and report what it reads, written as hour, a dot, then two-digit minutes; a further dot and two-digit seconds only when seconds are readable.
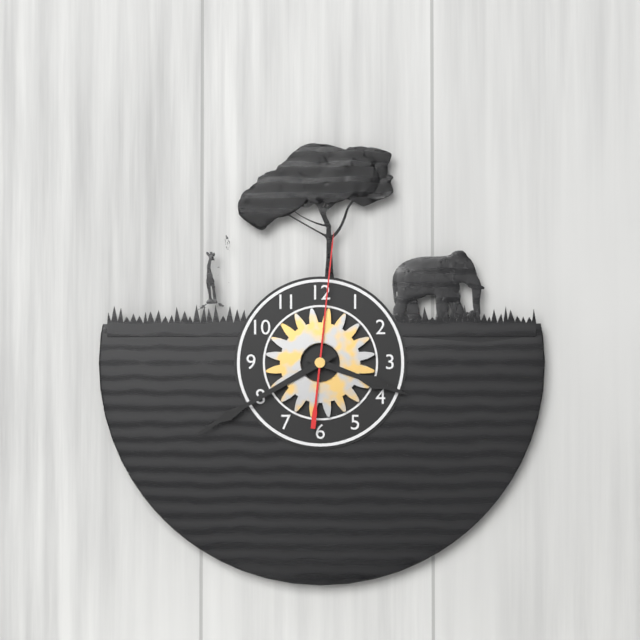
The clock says 3.40.01
